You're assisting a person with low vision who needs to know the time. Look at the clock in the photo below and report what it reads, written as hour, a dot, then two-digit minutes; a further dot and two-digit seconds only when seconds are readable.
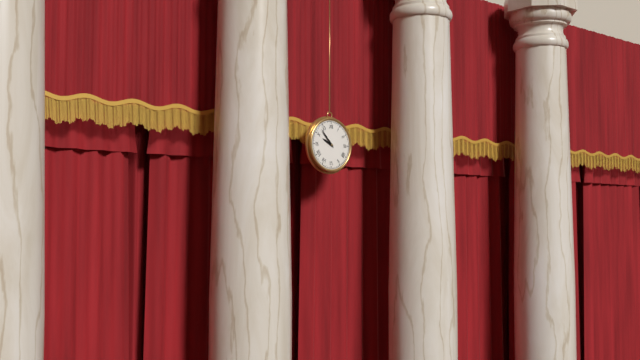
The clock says 9.53
